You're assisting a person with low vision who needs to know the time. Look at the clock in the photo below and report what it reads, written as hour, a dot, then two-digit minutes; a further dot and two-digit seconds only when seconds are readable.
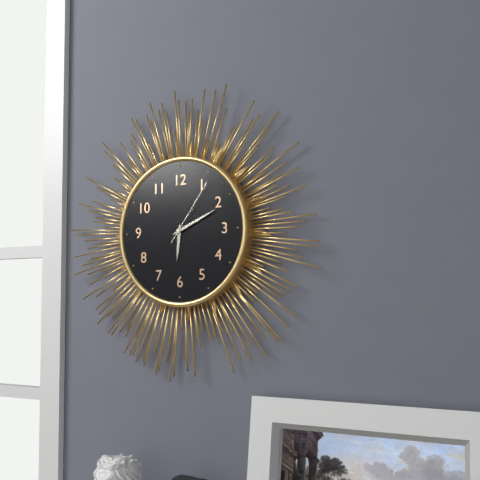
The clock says 6.11.06
